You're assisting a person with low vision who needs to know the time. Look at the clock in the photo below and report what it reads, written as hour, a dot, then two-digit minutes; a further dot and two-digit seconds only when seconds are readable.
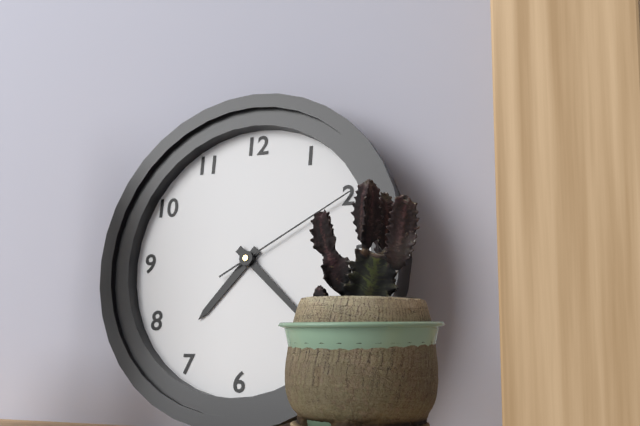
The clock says 7.22.10
